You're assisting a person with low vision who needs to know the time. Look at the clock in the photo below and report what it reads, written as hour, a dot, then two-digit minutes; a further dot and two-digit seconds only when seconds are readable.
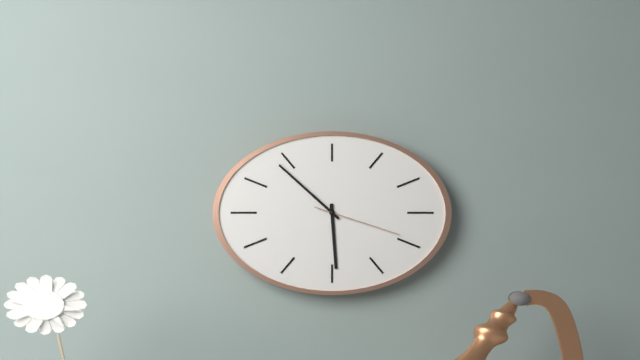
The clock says 5.52.18
